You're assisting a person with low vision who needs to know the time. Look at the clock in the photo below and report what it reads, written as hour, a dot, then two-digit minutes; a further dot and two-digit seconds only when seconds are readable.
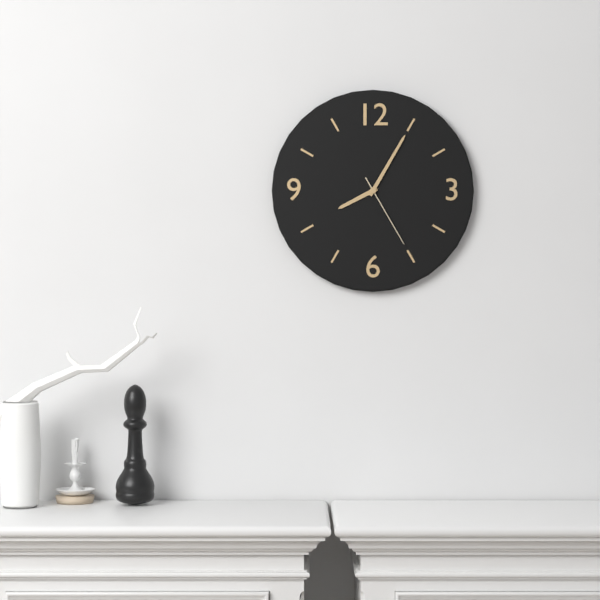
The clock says 8.05.25
